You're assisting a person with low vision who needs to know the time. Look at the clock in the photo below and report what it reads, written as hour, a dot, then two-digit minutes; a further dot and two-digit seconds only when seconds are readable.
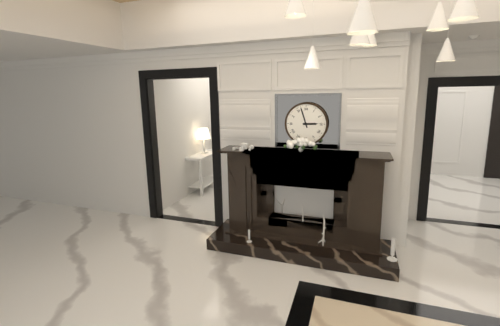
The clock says 2.57
